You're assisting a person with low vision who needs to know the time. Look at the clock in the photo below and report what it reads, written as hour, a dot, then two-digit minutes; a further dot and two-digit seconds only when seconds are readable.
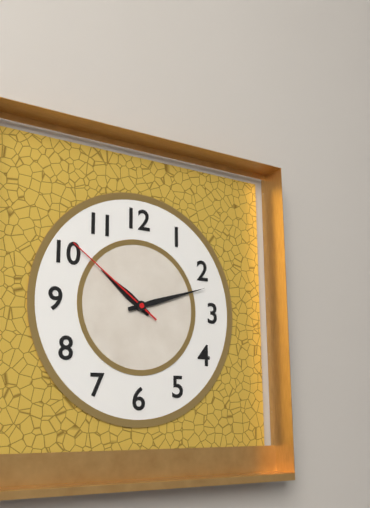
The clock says 10.12.51
